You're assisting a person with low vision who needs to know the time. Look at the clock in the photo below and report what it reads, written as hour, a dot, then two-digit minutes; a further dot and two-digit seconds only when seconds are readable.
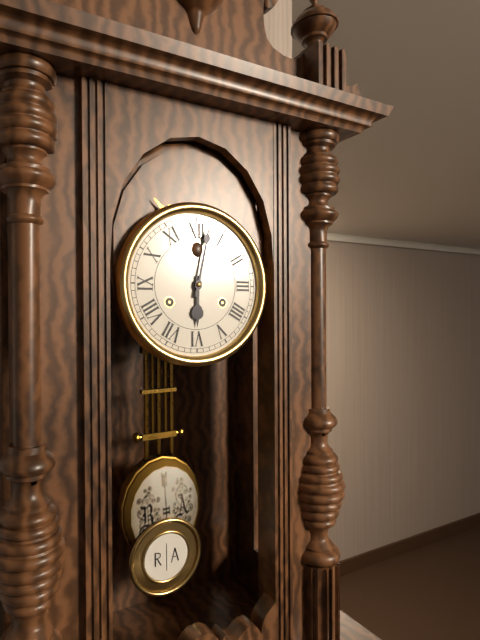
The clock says 6.02
